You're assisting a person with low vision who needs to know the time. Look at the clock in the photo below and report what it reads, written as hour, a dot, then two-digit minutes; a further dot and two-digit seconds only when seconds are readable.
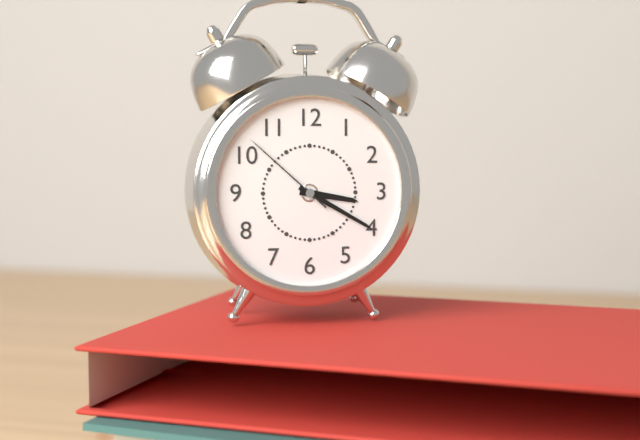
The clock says 3.20.52
